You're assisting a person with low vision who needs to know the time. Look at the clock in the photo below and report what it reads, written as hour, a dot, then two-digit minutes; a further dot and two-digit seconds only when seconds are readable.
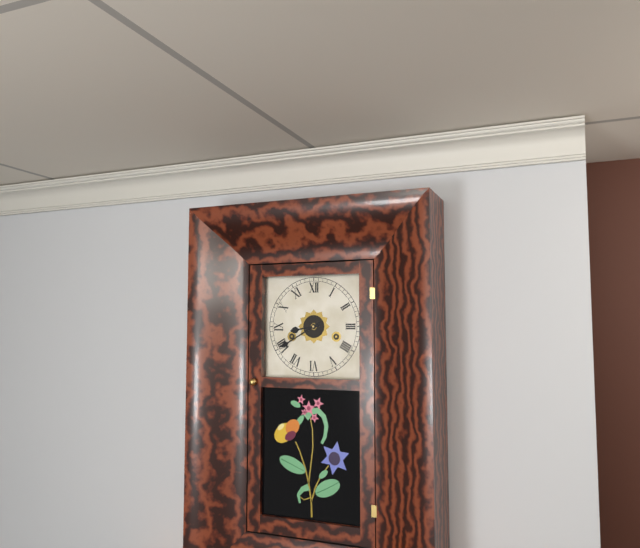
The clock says 8.40
